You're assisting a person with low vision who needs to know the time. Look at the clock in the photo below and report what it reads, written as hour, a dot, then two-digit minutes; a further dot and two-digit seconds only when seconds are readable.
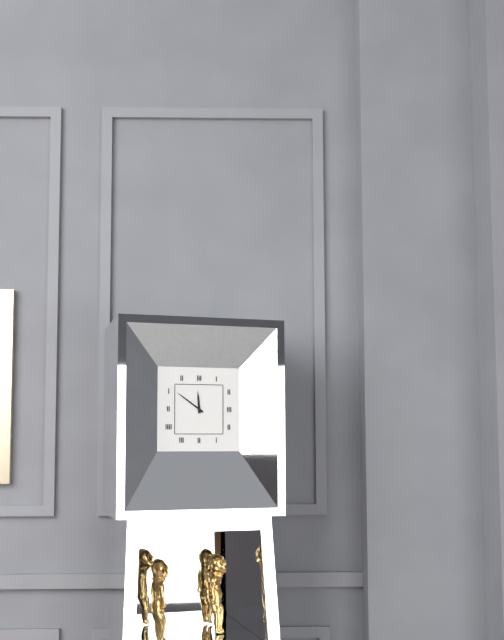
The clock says 11.51
